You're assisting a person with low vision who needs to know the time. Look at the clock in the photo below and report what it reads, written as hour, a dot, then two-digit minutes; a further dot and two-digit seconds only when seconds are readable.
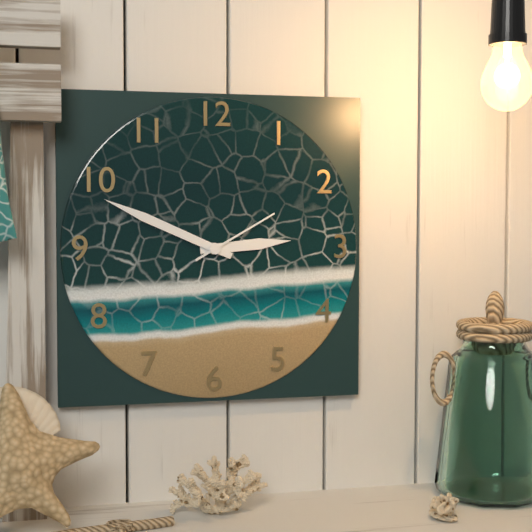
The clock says 2.49.10
